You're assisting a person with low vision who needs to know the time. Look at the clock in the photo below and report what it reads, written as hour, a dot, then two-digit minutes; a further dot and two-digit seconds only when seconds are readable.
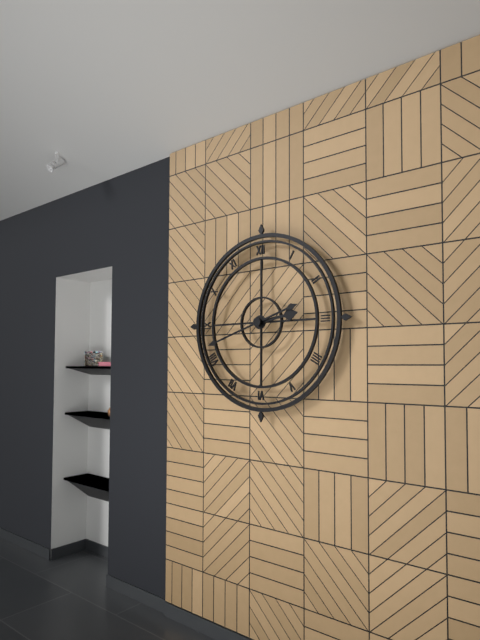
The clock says 2.42
